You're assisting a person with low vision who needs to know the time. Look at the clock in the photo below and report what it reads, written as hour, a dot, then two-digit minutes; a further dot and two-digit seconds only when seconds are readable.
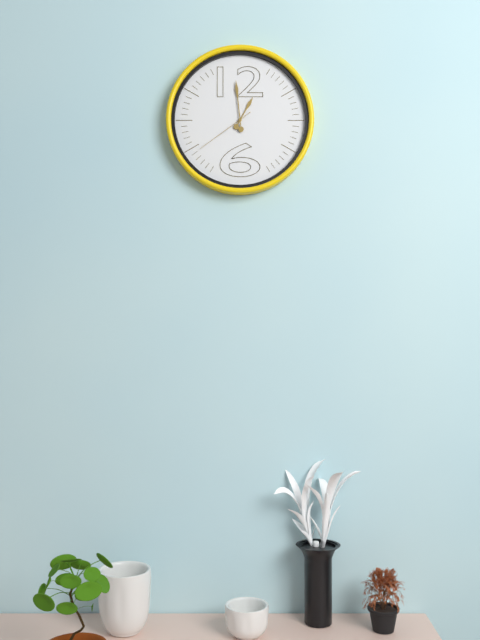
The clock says 12.59.39
